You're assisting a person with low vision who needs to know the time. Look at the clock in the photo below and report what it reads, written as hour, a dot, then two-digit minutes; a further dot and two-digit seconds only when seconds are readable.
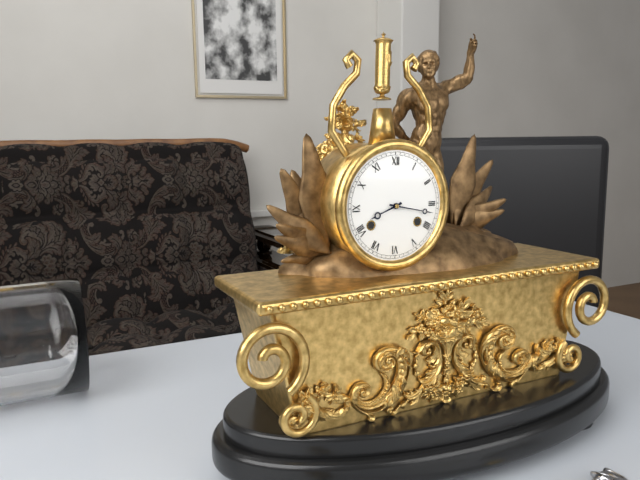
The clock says 8.17
